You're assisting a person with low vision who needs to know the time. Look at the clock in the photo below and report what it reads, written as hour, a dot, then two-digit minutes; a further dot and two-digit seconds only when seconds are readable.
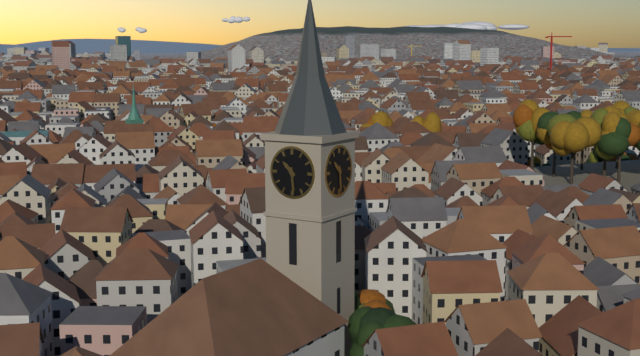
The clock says 10.29
